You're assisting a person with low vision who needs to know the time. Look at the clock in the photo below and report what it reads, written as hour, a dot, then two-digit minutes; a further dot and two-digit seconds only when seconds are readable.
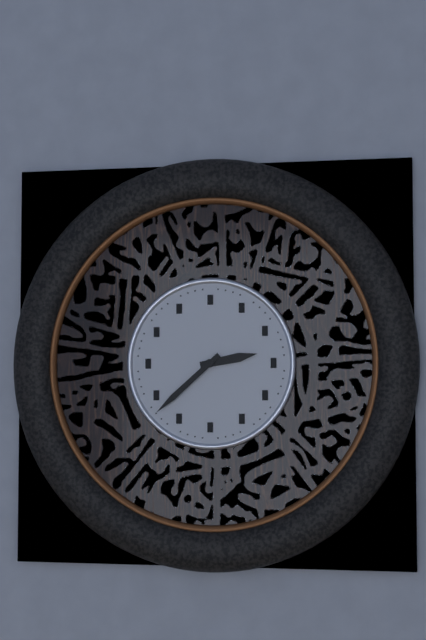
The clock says 2.38
